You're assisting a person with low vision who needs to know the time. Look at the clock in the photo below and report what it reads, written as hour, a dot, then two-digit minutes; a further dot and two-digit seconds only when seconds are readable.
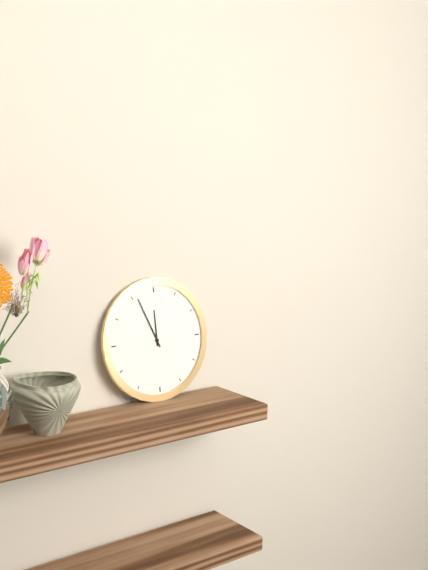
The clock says 11.56
